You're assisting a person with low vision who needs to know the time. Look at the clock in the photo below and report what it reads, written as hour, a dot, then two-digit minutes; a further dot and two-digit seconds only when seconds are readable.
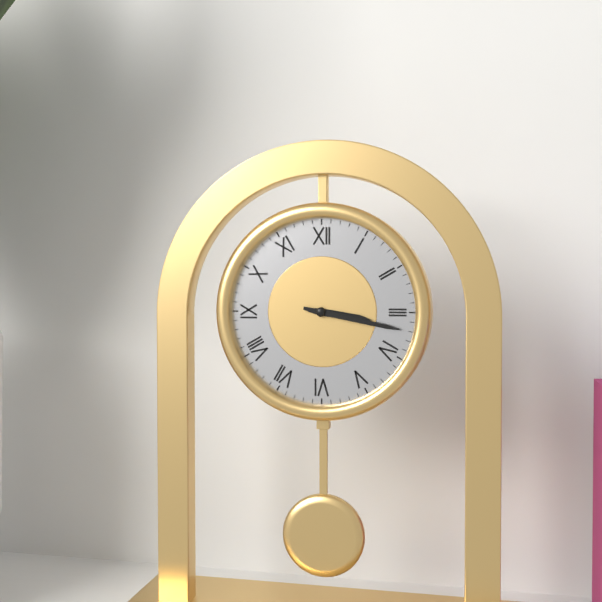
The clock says 3.17
